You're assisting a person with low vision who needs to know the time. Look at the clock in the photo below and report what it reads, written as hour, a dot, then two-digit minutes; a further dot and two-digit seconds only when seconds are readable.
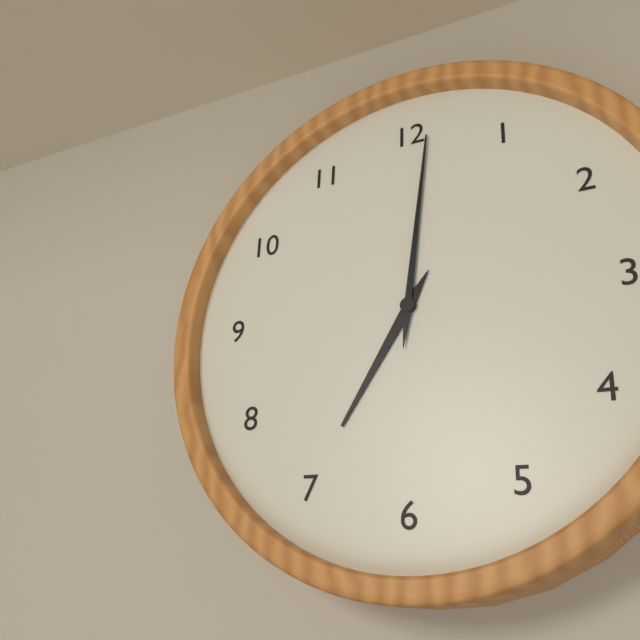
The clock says 7.01
